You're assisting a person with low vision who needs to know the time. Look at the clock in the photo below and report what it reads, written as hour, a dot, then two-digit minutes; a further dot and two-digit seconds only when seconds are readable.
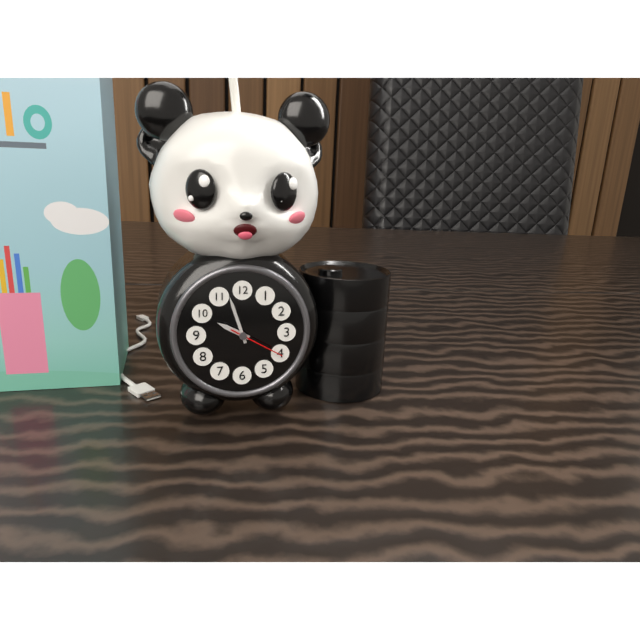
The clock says 9.57.20
